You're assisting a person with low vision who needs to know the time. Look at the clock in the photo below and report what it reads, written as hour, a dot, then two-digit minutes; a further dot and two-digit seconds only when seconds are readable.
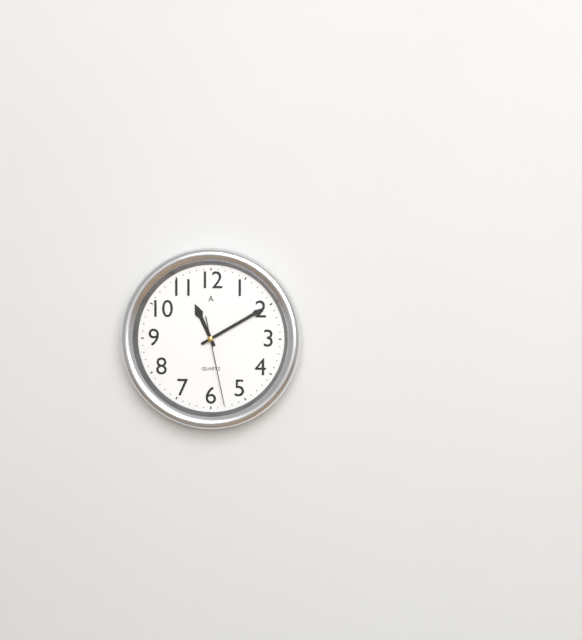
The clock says 11.10.28
